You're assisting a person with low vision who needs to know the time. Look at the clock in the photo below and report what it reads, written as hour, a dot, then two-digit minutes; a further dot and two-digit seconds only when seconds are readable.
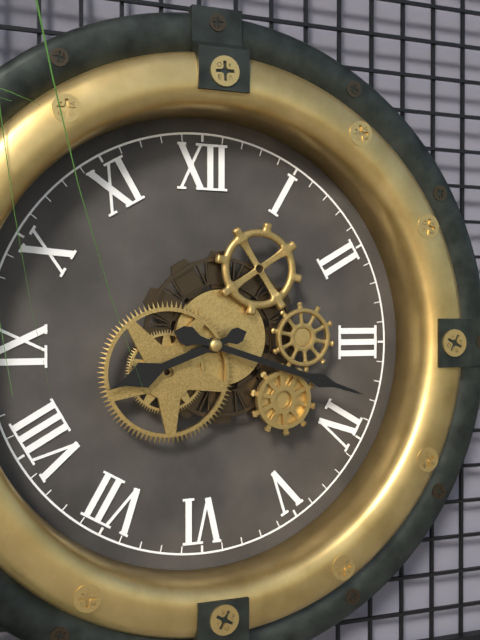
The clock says 8.18
